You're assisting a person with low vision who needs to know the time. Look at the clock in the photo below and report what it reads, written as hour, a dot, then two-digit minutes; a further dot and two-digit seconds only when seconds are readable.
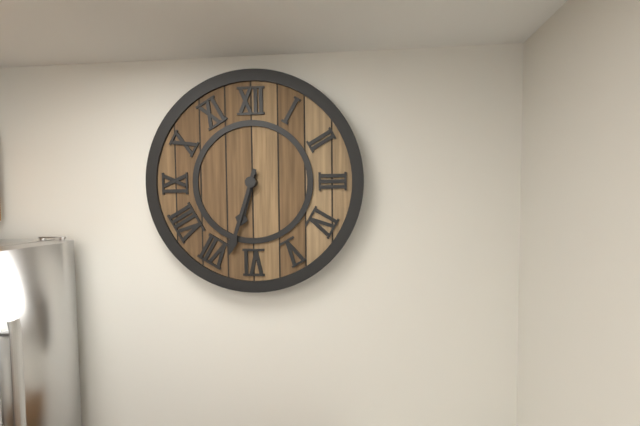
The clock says 6.33
